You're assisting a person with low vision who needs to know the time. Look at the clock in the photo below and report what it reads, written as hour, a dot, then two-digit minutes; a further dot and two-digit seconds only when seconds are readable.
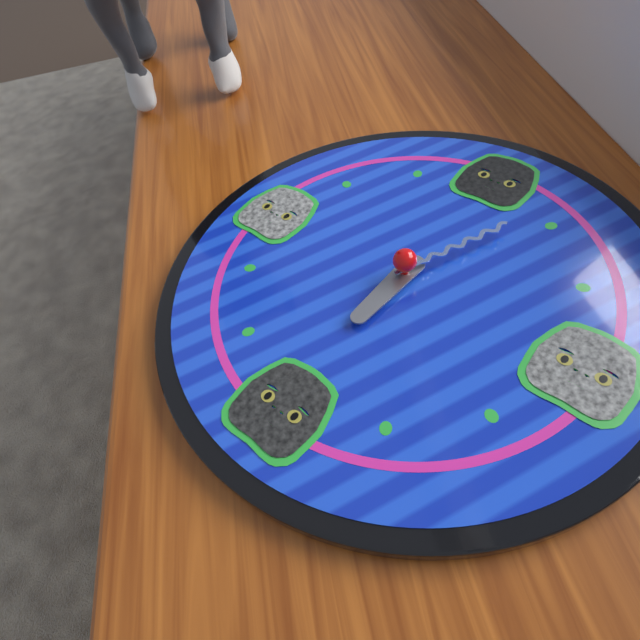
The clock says 6.04
